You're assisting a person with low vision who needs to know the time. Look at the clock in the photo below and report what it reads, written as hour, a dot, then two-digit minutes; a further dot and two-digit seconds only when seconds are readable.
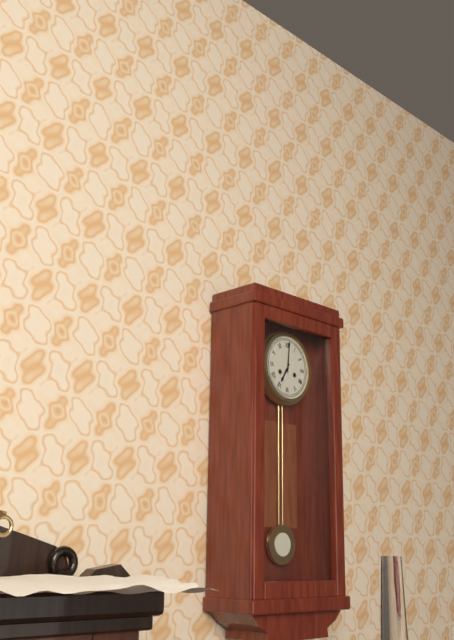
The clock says 7.01
